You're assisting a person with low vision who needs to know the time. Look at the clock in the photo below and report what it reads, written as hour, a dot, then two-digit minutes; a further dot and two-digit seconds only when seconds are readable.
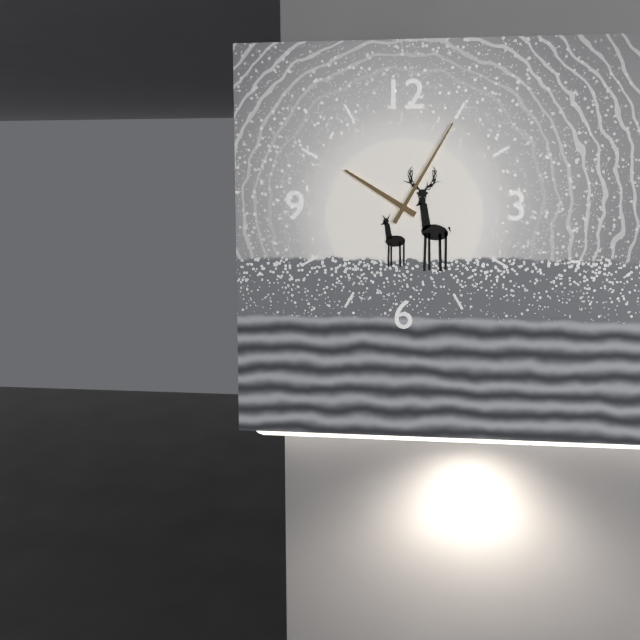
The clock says 10.05
